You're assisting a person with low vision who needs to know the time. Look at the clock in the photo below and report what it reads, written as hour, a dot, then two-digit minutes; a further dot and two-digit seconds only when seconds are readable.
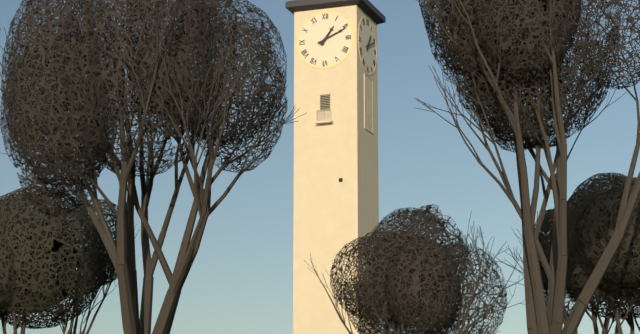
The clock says 1.11
